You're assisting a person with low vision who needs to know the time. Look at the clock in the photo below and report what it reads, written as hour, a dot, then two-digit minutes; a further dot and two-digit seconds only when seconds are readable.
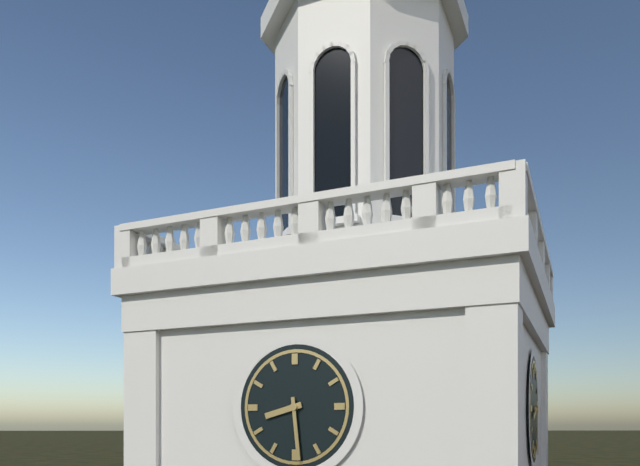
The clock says 8.29
